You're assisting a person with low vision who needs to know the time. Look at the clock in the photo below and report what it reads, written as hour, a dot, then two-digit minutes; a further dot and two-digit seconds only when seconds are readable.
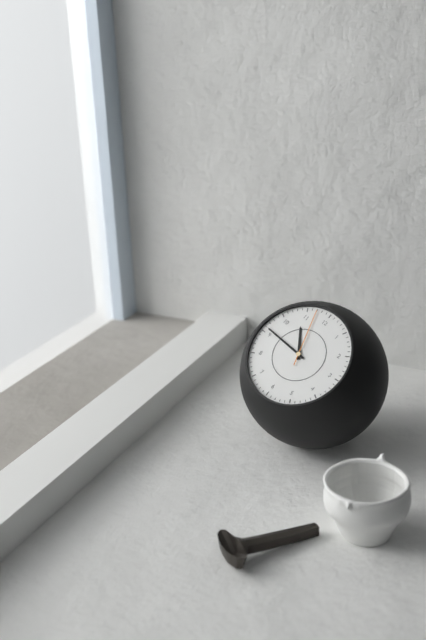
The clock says 10.46.57
